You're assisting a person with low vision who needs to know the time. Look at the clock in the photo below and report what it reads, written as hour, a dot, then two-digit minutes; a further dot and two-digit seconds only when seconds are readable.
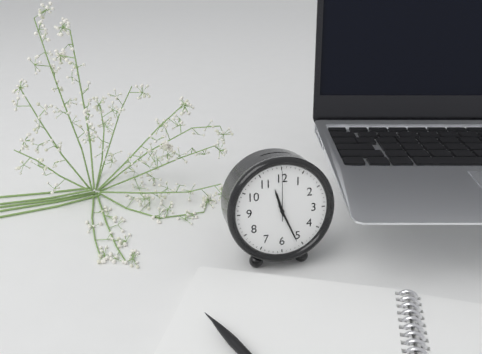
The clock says 11.26
